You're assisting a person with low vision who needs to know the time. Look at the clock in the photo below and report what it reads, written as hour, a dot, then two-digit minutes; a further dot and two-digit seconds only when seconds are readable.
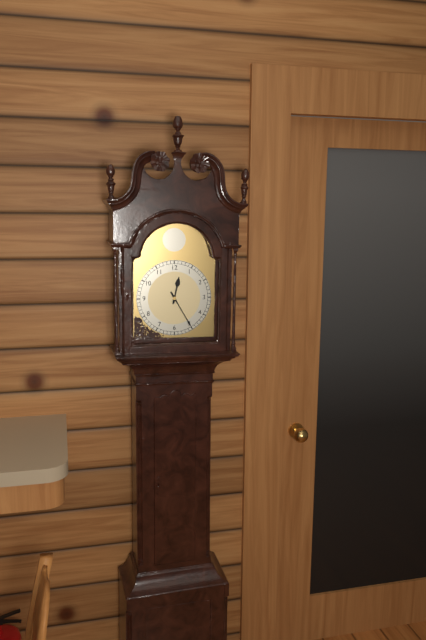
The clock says 12.25
